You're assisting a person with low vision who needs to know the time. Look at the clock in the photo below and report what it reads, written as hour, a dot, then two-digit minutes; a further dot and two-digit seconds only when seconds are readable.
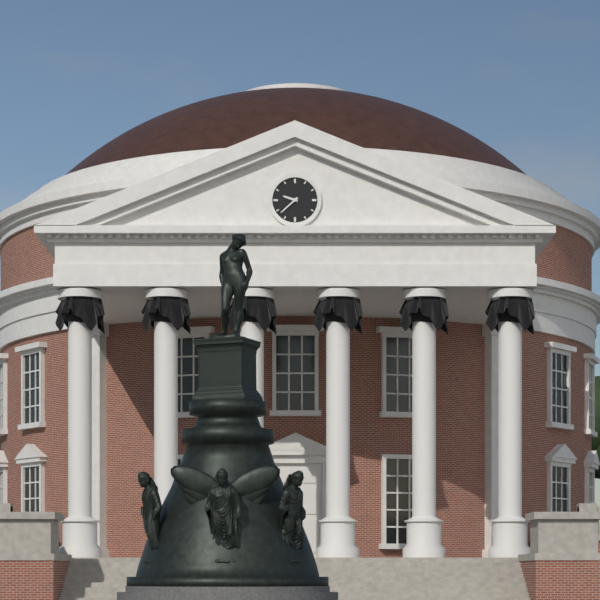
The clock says 9.38
